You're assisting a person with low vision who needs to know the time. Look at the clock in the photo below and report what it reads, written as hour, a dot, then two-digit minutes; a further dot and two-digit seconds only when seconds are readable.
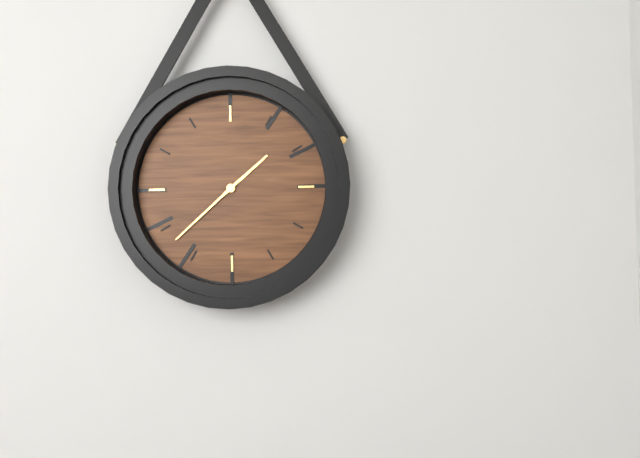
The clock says 1.38
